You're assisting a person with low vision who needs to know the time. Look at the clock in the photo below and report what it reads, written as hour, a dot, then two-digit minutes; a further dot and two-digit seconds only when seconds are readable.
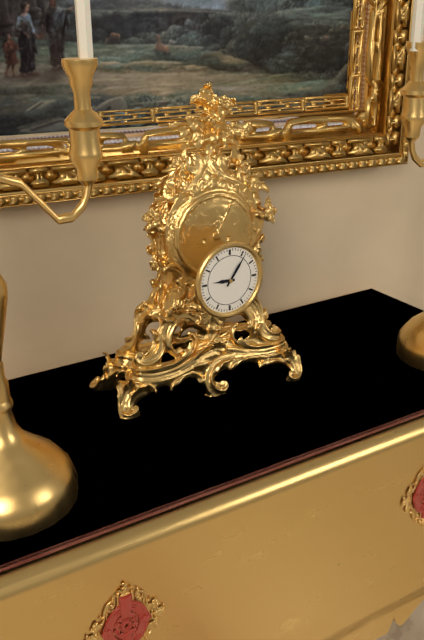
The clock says 9.06
